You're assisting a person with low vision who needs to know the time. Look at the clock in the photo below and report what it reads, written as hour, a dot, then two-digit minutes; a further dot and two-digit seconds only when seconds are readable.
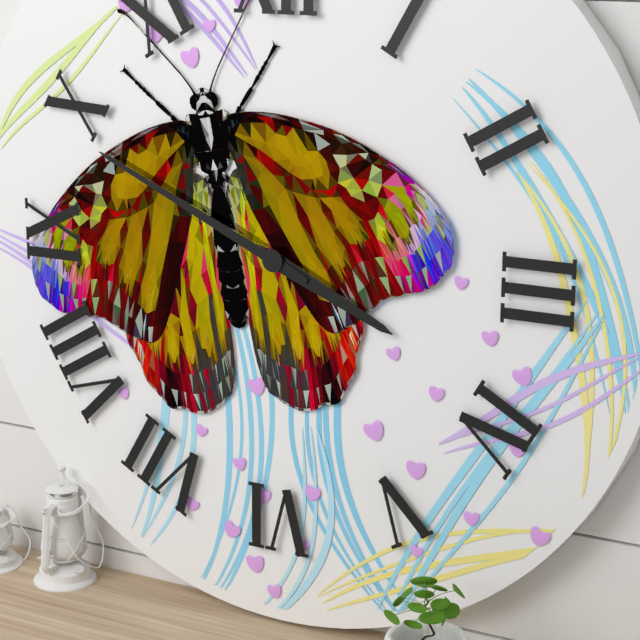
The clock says 3.49
